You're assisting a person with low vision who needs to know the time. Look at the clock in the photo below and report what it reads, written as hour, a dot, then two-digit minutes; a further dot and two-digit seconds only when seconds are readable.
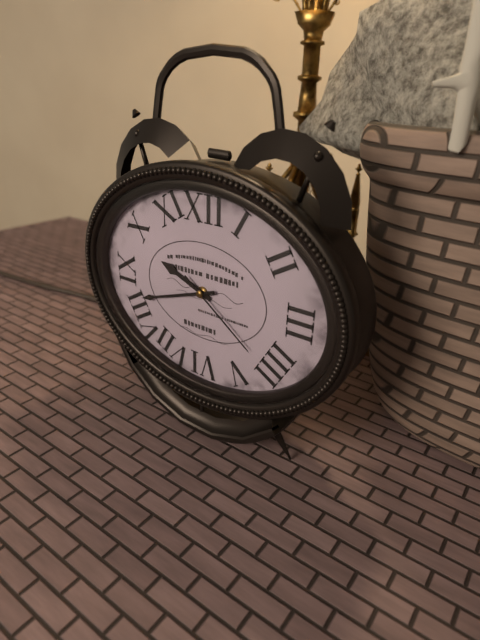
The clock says 9.42.21
